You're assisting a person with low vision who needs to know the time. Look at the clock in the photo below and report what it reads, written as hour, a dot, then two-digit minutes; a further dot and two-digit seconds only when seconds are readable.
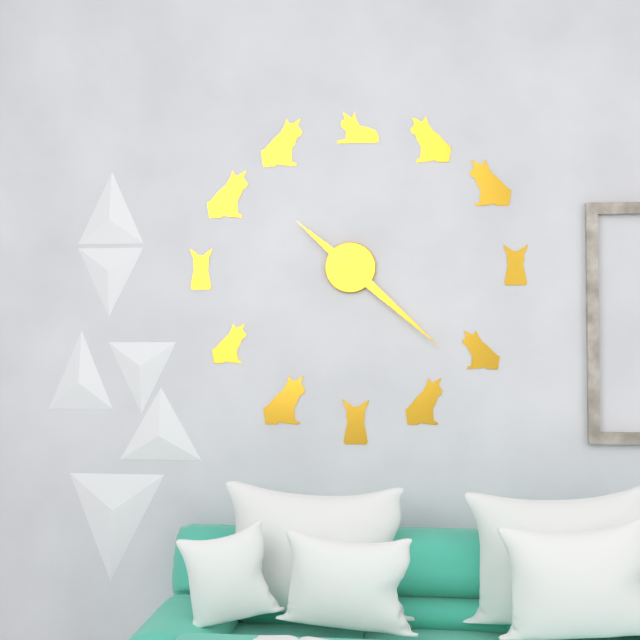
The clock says 10.22
